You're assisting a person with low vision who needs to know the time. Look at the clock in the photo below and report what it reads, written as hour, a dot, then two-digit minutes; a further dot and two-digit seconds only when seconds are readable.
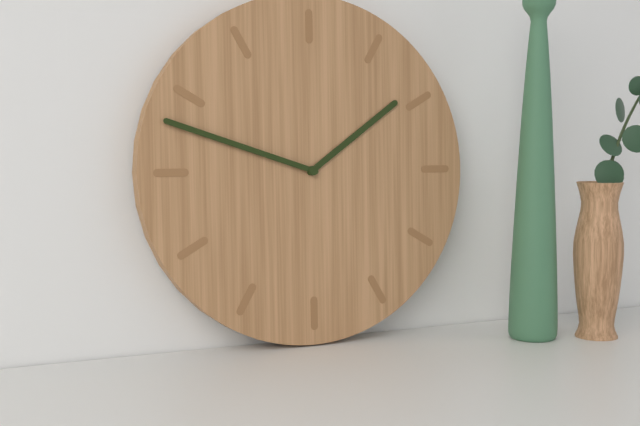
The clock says 1.48
